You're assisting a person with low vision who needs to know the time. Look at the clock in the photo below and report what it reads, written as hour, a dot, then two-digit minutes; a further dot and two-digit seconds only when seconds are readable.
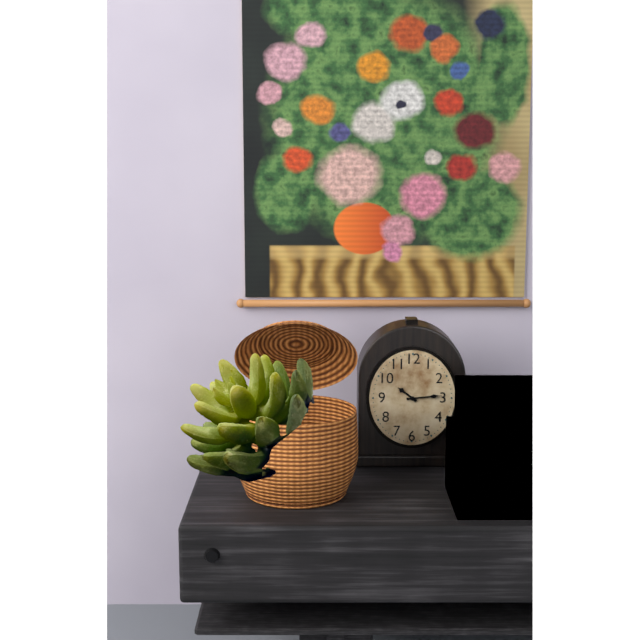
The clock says 10.14
